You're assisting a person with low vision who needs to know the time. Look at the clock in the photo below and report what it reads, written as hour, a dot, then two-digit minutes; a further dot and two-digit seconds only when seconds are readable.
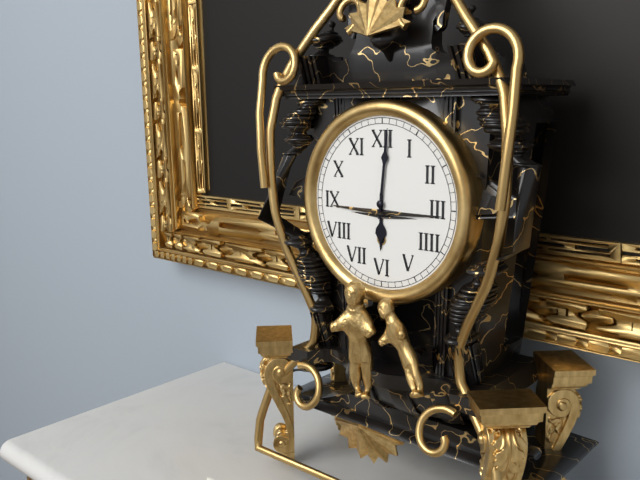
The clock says 6.01
